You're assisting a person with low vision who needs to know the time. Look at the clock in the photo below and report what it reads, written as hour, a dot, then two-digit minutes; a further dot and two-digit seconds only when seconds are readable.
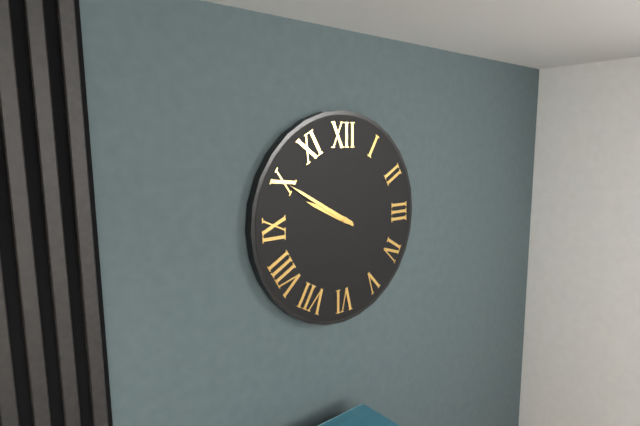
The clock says 9.50
